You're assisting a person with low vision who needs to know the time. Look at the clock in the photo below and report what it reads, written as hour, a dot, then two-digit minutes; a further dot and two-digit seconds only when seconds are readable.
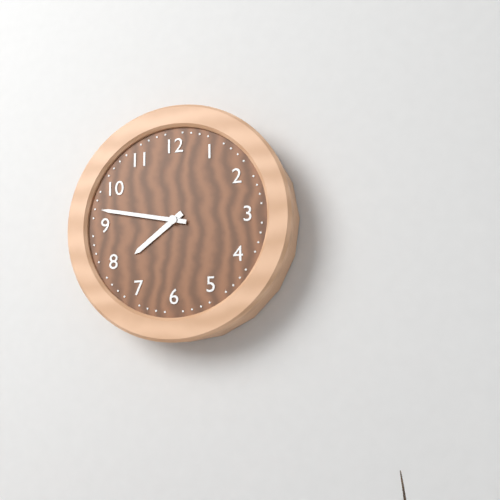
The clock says 7.47
